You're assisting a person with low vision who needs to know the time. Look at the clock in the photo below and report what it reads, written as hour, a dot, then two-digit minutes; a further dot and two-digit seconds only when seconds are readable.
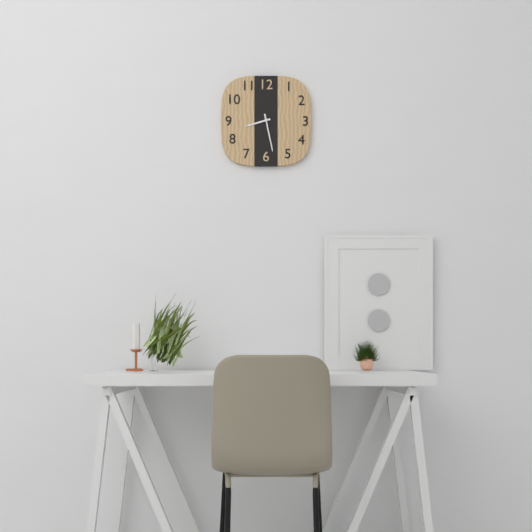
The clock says 8.28
